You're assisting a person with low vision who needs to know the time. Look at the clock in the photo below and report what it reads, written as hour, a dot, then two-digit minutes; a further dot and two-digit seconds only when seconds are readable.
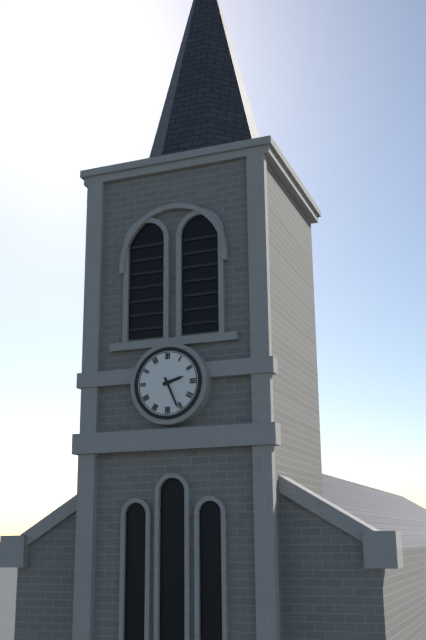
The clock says 2.26
